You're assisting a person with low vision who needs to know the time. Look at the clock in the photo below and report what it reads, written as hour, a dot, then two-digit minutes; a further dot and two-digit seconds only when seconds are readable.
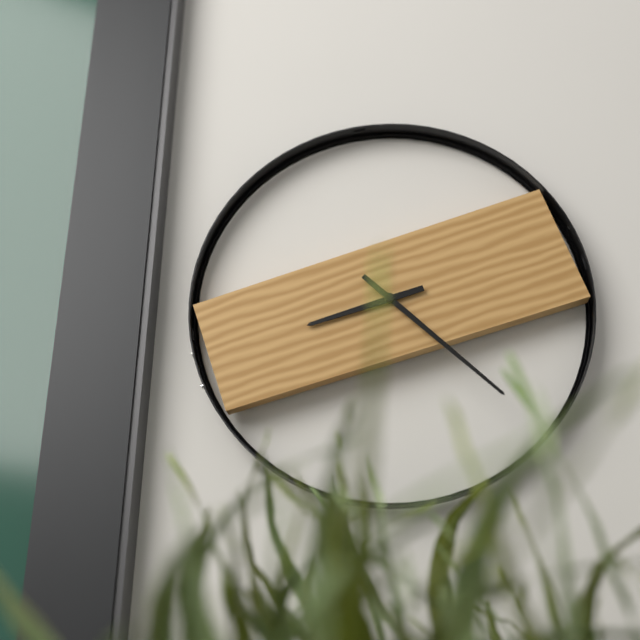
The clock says 8.22
